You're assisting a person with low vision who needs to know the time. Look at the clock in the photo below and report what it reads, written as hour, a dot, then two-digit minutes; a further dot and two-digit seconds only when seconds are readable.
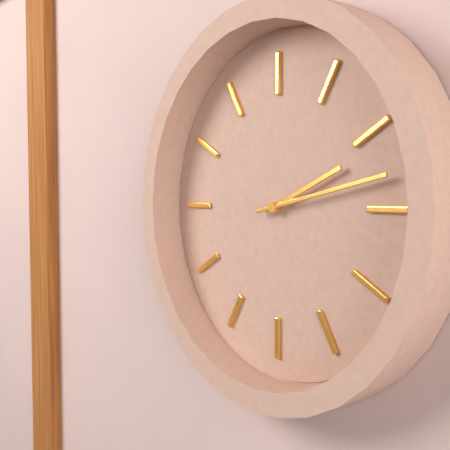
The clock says 2.13
